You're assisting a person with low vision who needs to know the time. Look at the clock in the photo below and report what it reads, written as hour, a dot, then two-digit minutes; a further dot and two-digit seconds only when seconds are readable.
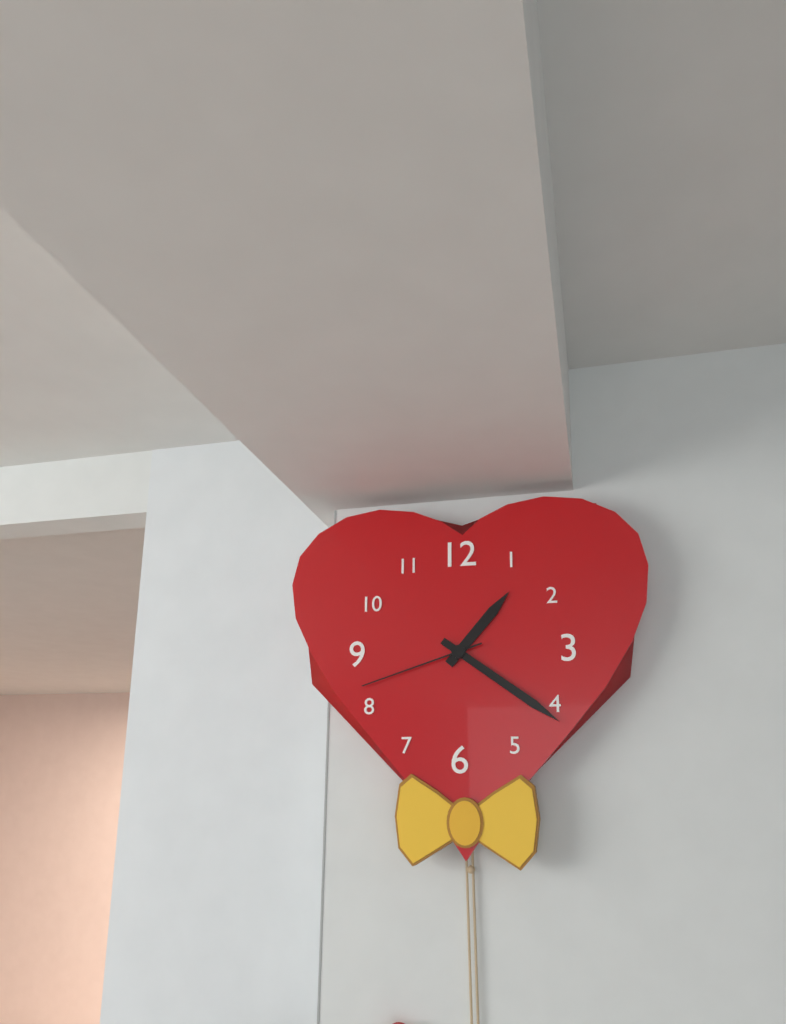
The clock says 1.21.42
